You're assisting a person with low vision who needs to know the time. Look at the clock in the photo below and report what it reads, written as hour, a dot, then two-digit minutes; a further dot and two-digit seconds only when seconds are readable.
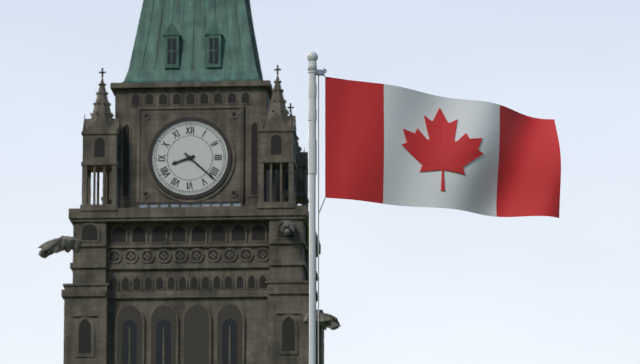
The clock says 8.22
